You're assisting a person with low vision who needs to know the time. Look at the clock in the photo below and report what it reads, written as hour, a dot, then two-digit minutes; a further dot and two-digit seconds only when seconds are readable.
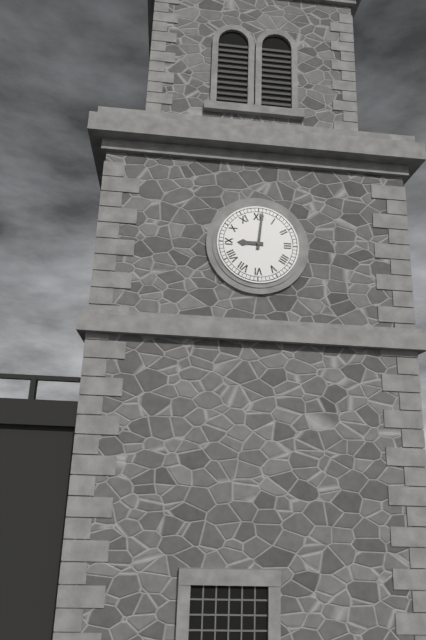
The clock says 9.01
